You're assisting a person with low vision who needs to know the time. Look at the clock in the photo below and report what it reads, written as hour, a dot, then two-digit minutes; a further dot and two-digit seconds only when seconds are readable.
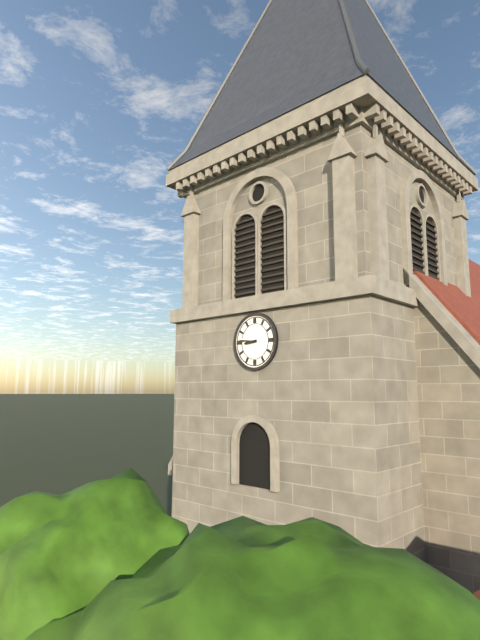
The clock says 8.46
